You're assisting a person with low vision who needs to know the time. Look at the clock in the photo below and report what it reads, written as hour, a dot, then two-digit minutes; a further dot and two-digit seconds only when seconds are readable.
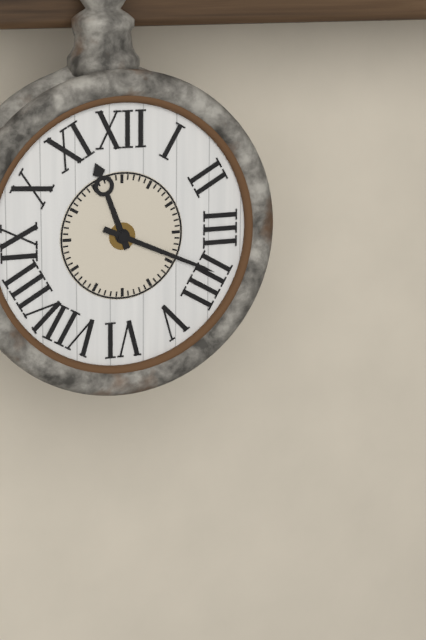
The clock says 11.19
